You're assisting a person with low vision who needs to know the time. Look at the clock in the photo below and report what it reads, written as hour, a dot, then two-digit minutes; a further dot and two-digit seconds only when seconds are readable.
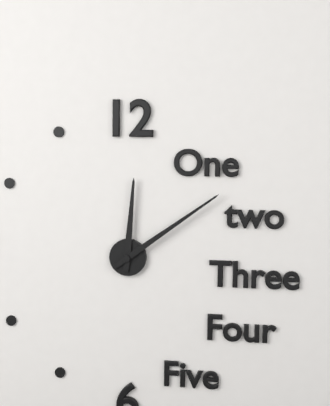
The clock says 12.09
